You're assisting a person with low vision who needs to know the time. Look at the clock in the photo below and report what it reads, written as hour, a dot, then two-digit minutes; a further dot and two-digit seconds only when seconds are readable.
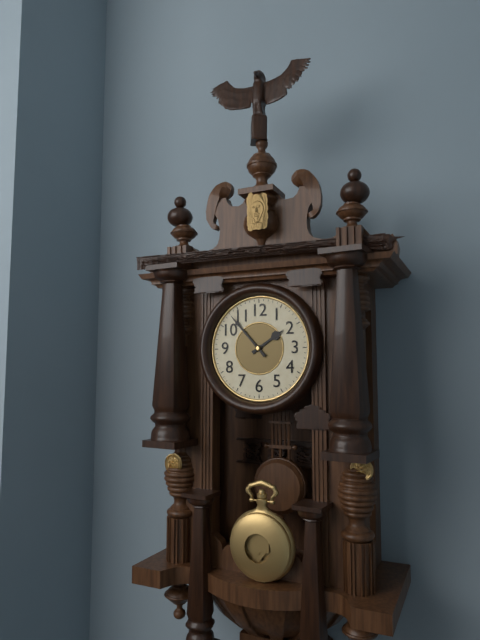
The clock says 1.53
